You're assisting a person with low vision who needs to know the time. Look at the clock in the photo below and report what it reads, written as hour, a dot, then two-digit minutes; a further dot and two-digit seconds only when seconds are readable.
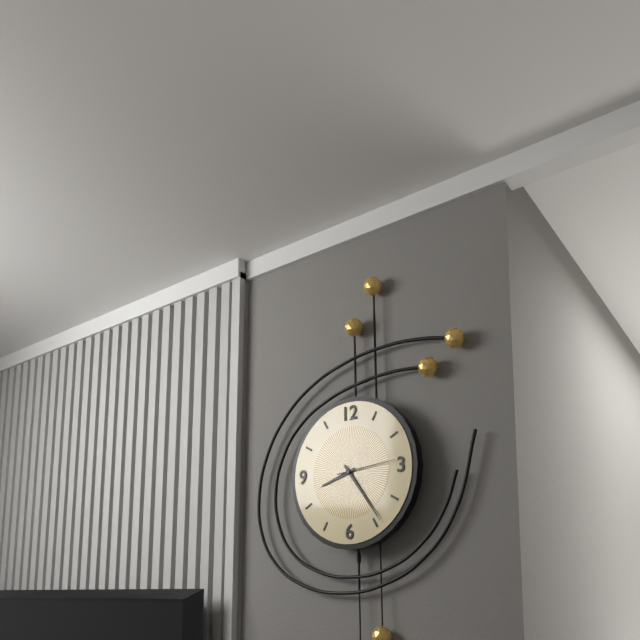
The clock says 8.24.14
